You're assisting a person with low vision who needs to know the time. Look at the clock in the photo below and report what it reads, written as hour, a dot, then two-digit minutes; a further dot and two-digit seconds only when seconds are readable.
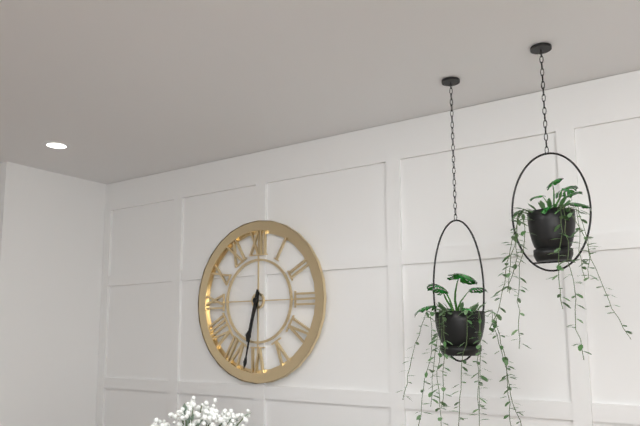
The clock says 6.32
